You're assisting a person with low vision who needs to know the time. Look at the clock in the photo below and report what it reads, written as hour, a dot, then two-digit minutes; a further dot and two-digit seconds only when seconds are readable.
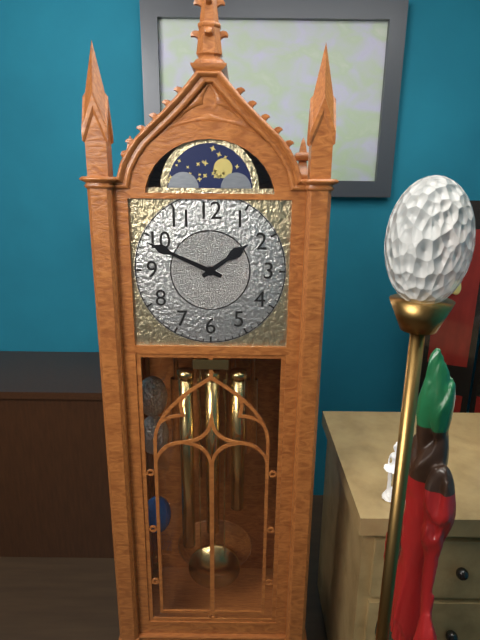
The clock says 1.49
